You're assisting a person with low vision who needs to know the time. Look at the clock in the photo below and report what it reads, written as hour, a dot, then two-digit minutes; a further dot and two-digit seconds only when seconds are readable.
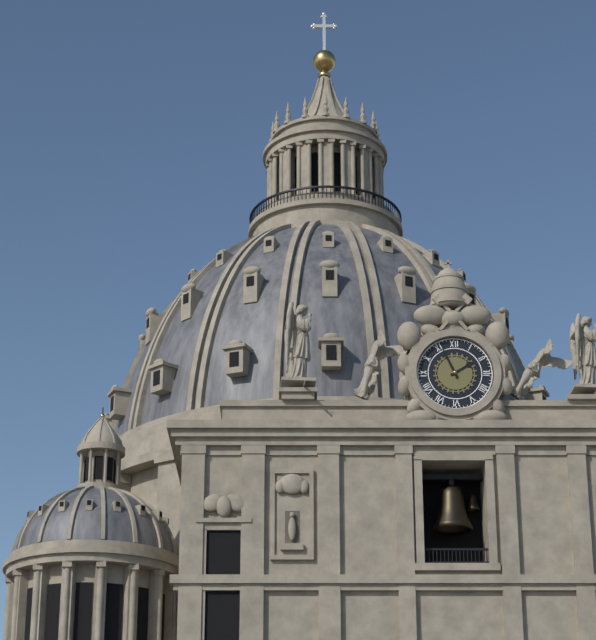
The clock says 1.56
